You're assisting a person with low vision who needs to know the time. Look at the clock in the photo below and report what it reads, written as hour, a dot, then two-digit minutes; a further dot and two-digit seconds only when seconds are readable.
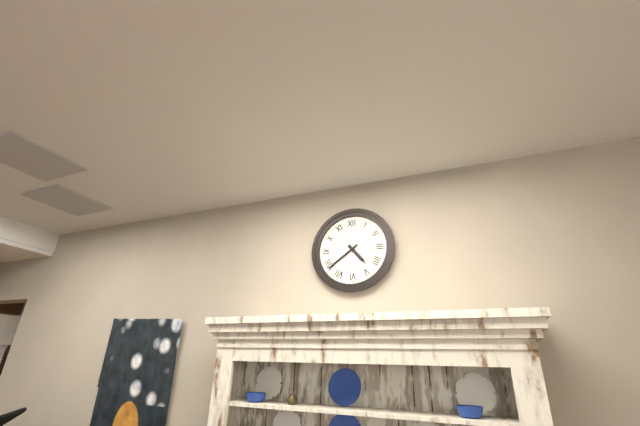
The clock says 4.39
